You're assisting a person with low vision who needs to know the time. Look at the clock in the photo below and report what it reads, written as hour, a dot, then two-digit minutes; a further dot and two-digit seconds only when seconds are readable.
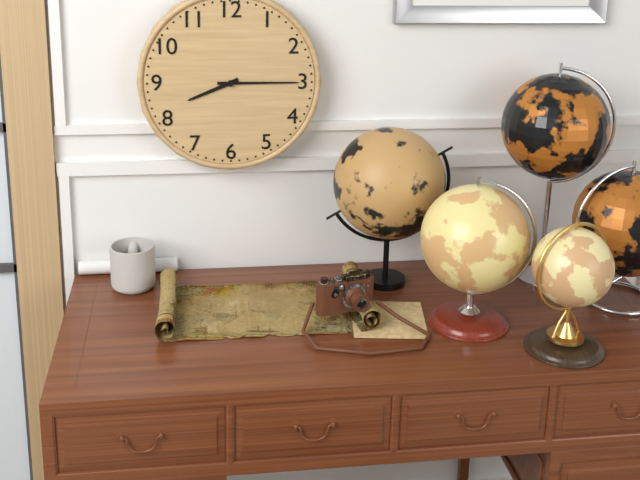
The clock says 8.15
